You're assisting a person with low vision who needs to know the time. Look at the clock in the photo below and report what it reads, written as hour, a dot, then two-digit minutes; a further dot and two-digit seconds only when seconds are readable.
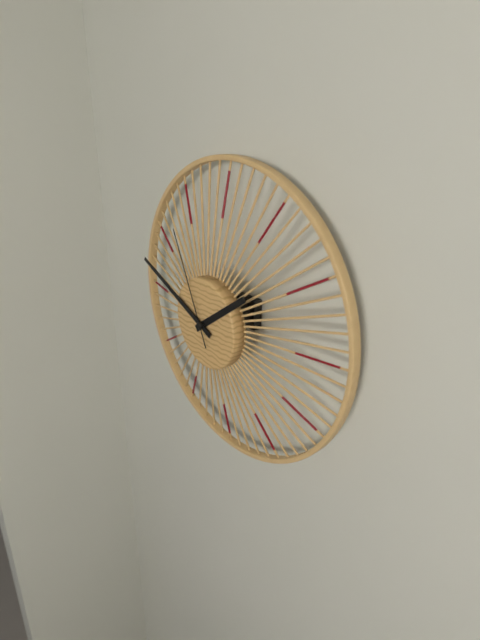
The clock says 1.49.56
